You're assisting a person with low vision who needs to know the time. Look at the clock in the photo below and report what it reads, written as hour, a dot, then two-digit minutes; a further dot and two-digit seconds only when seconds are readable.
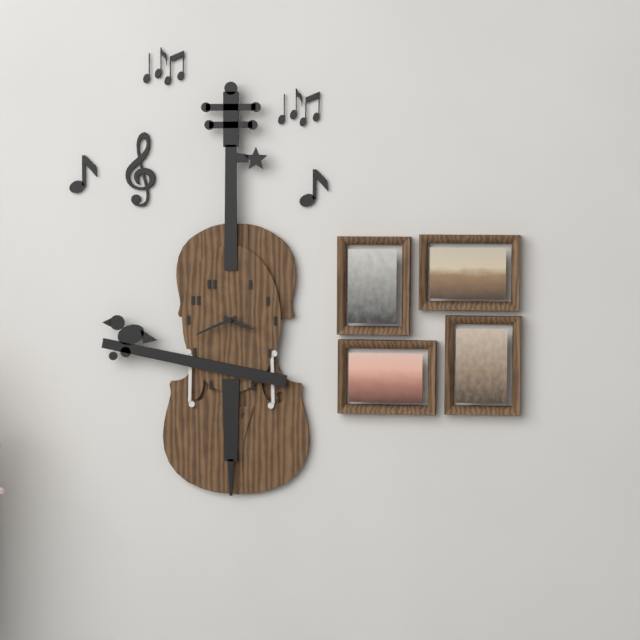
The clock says 3.41
